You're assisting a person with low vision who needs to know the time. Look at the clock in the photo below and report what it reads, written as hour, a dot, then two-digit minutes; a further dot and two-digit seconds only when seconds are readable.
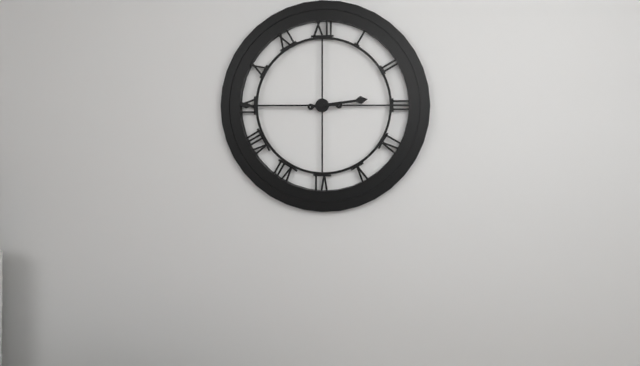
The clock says 2.45
